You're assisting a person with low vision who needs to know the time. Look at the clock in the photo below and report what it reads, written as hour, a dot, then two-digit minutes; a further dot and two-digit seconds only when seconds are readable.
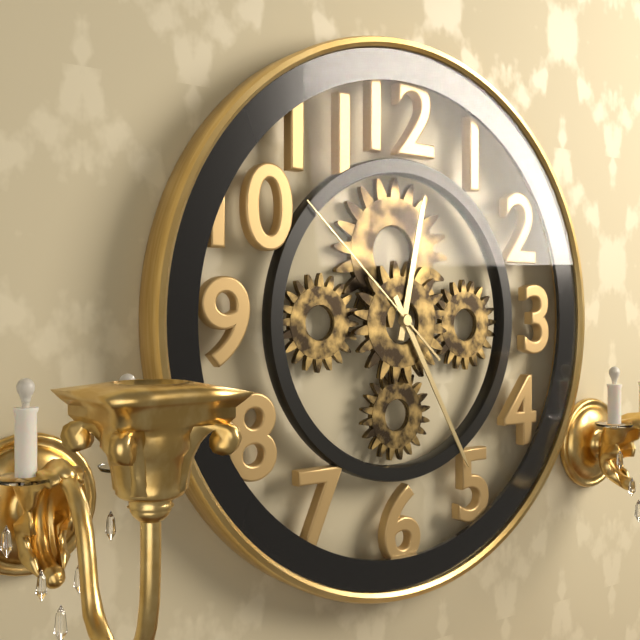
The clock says 12.25.52
